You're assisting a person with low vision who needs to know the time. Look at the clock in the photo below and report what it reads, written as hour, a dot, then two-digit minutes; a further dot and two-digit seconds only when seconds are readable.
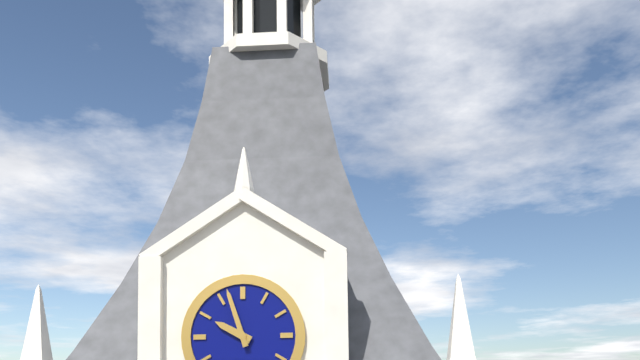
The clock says 9.57
